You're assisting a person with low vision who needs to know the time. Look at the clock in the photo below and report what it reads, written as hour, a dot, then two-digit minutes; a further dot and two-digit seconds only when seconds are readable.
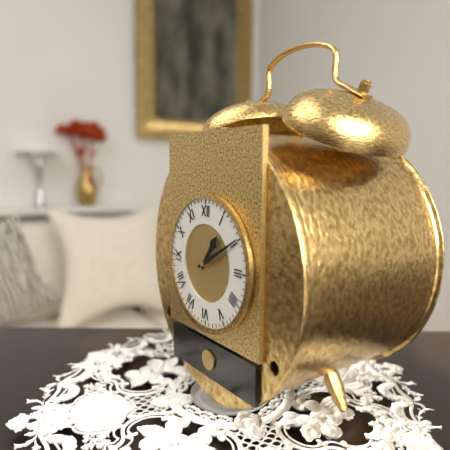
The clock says 1.10
